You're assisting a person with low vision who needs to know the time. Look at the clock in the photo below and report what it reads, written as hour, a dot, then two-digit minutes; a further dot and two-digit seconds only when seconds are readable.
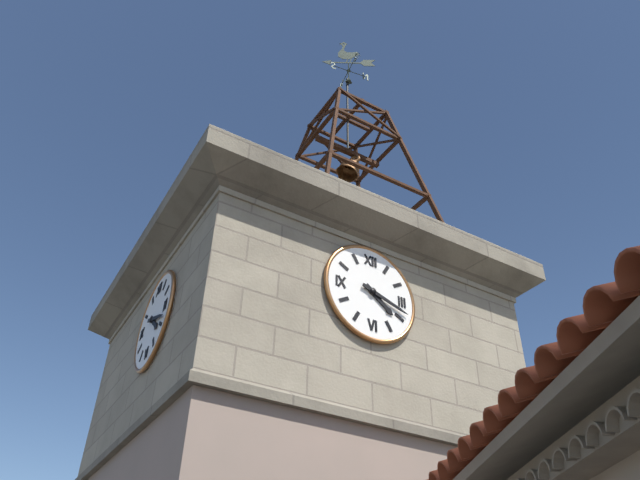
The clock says 4.18
